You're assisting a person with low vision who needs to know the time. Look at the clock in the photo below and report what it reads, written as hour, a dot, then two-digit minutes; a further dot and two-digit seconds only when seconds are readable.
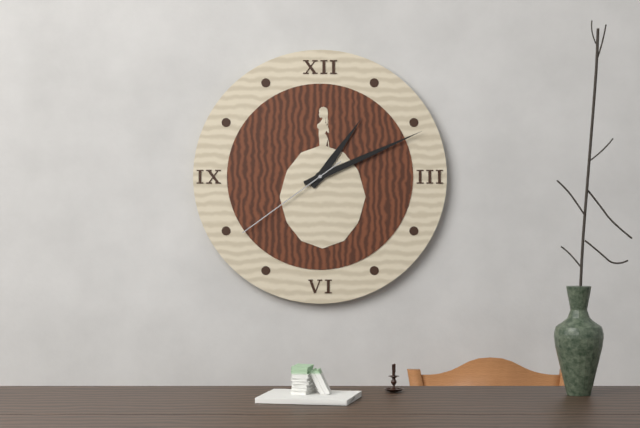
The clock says 1.11.39
